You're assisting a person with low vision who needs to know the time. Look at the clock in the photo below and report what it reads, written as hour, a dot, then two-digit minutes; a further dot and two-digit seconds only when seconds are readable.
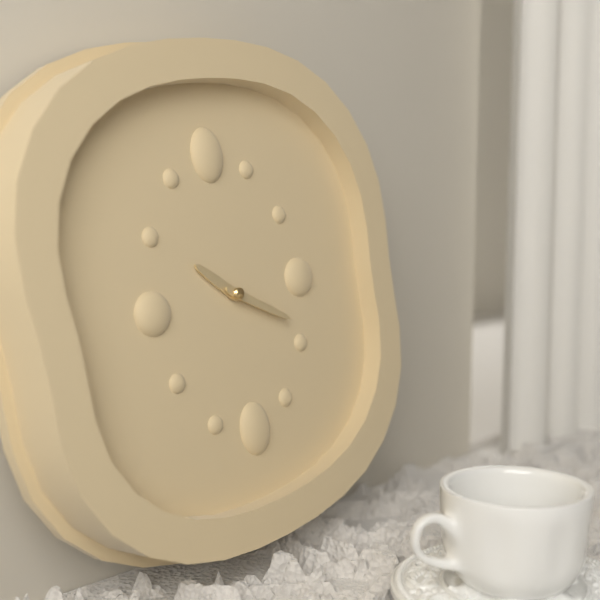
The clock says 10.20
